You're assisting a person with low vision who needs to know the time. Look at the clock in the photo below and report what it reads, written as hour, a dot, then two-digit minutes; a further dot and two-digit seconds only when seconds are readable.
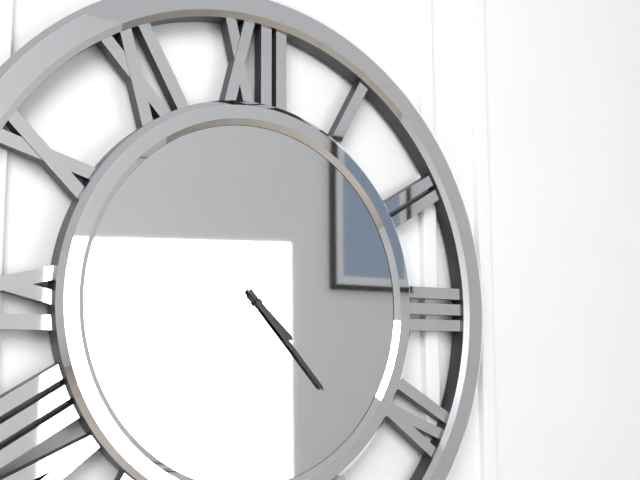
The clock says 4.23
